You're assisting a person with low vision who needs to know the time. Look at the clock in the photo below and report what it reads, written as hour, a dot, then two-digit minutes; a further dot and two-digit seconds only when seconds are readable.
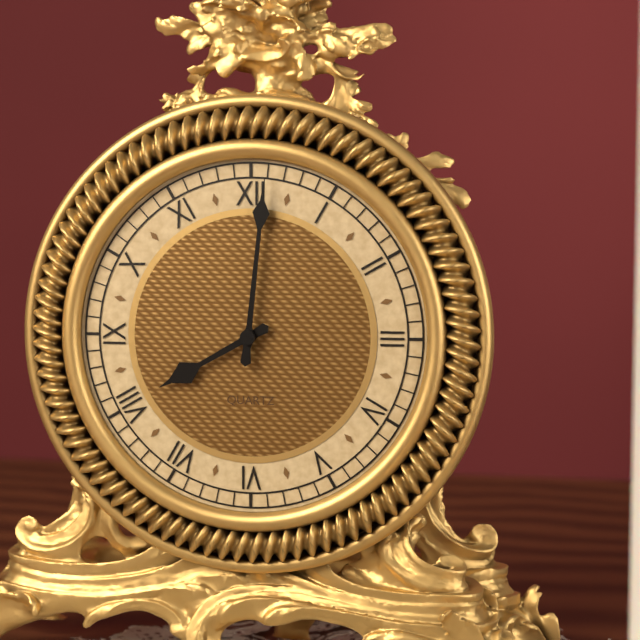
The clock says 8.01
